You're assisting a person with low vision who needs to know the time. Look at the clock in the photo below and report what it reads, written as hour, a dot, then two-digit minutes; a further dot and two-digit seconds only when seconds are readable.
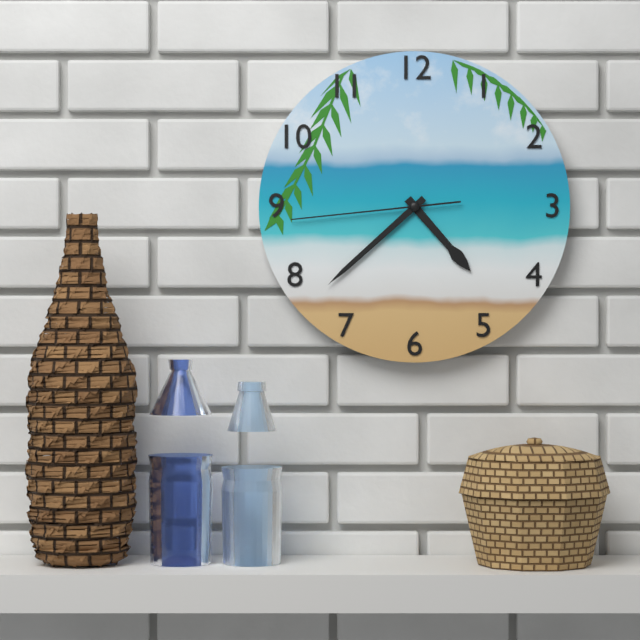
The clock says 4.38.44
